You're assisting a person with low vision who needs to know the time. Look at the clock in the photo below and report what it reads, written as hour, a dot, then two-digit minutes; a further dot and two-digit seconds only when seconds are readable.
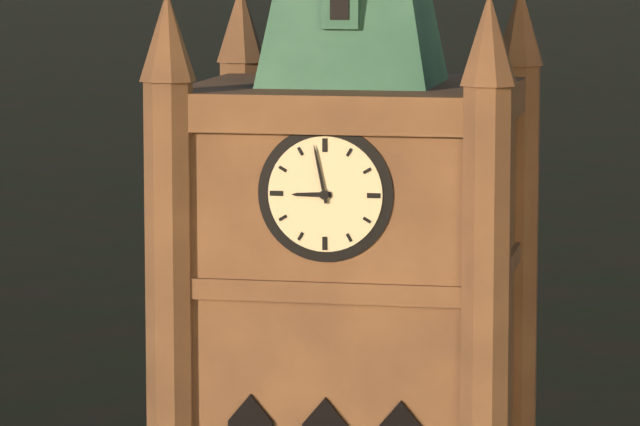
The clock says 8.58
